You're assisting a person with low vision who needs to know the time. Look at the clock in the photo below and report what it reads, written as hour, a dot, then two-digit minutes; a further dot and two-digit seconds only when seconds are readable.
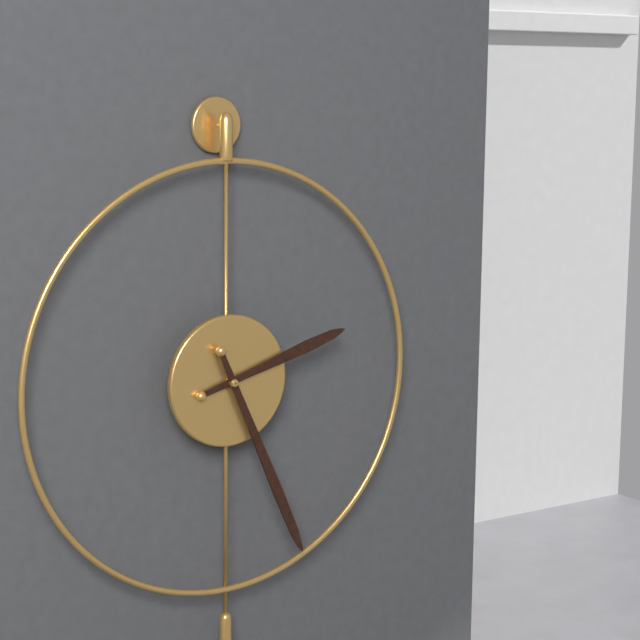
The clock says 2.26
